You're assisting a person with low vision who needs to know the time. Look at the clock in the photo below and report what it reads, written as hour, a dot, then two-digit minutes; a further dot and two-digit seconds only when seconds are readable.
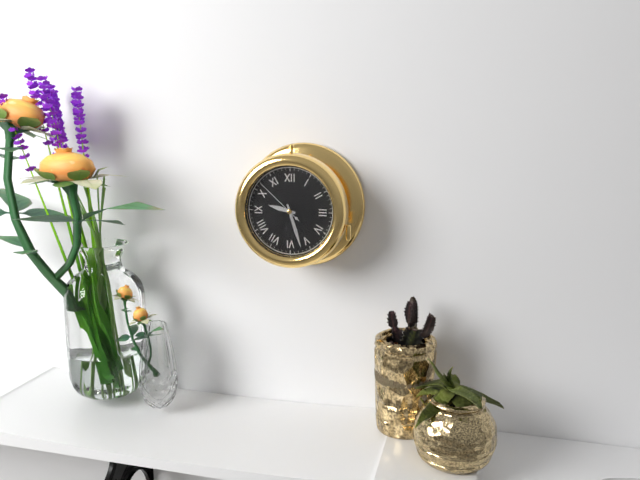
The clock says 9.27.52
